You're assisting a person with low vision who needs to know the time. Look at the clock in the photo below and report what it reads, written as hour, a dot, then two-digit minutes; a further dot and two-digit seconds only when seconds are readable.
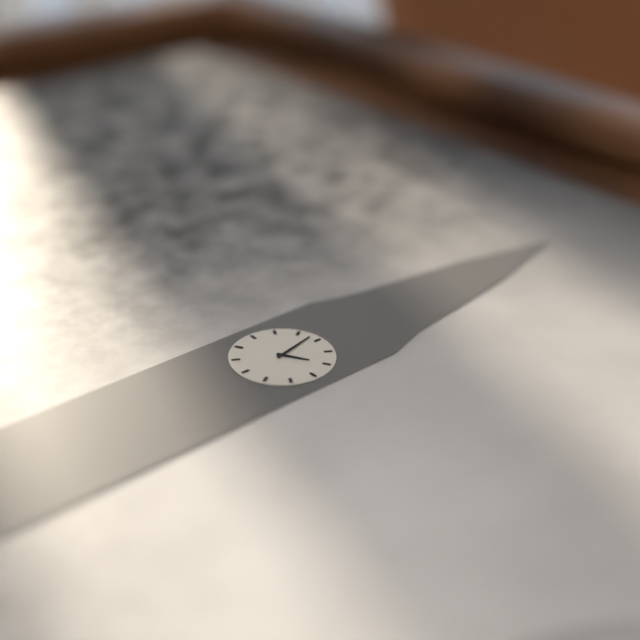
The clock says 1.58
